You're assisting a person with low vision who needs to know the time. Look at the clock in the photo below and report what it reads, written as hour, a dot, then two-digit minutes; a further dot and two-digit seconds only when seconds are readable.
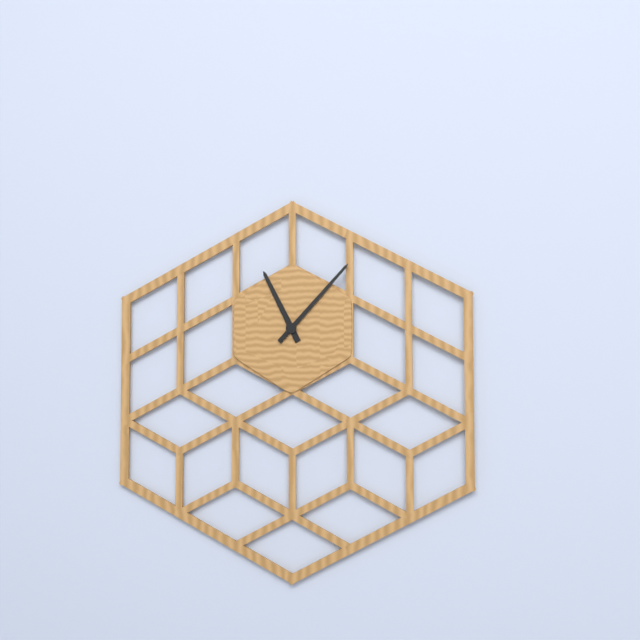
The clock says 11.07
